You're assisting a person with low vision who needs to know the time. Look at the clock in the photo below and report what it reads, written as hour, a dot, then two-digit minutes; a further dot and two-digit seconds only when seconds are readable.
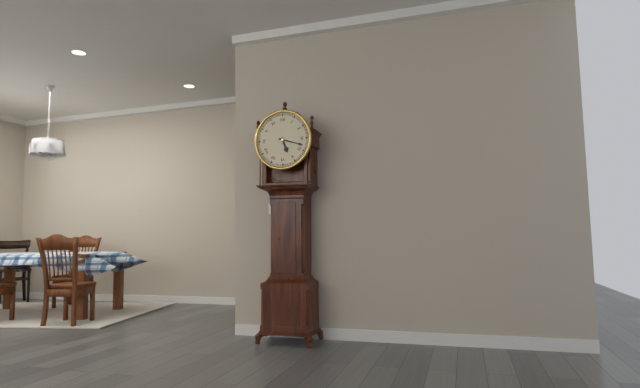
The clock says 5.18
